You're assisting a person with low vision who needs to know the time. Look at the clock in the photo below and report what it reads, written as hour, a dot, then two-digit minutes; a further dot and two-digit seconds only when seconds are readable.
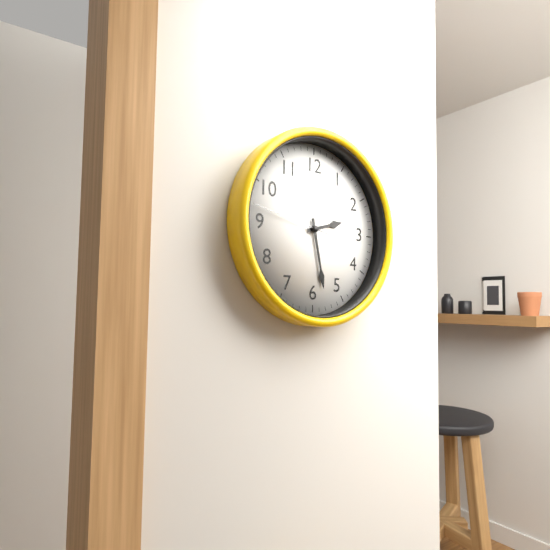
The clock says 2.28.47
